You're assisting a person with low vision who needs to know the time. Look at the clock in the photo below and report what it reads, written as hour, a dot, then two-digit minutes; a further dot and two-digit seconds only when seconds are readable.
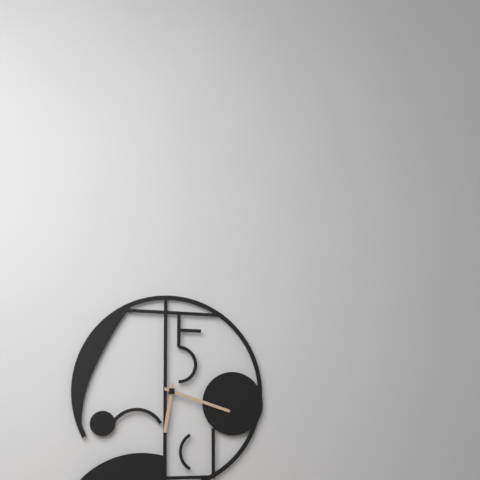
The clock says 6.18
